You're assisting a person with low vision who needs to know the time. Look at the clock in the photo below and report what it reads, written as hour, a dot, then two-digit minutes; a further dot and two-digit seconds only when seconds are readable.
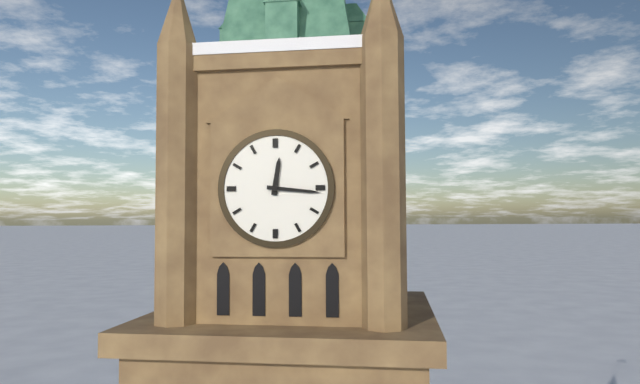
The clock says 12.16
